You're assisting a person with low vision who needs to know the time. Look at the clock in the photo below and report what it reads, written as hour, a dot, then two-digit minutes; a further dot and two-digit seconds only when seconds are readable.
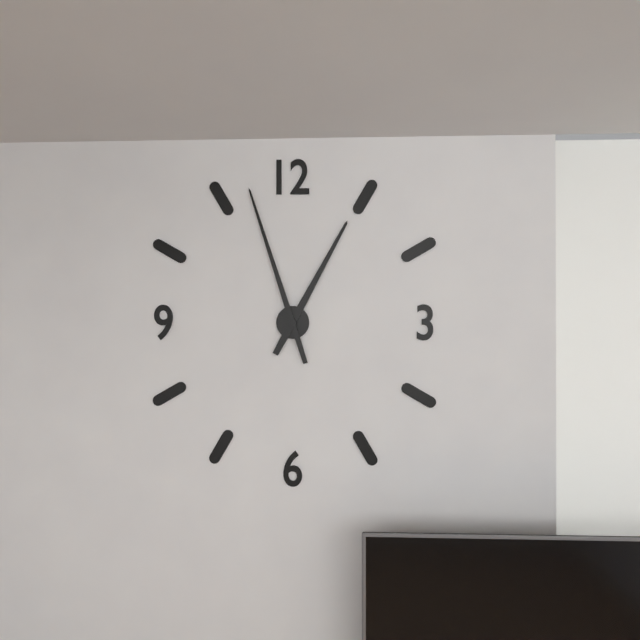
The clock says 12.57
